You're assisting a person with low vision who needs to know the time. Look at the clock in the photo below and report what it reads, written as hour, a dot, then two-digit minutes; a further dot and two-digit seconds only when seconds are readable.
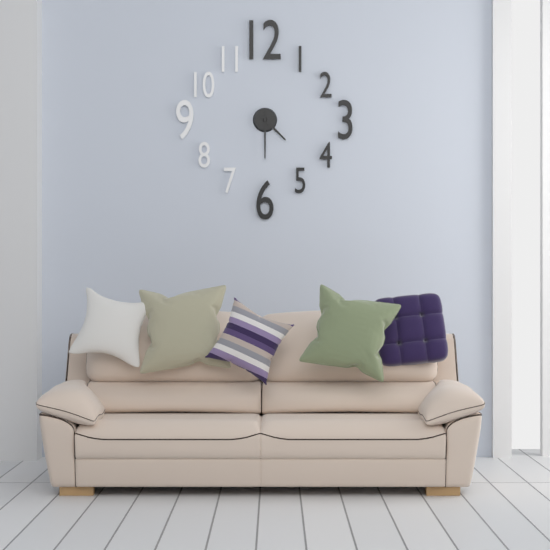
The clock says 4.30
